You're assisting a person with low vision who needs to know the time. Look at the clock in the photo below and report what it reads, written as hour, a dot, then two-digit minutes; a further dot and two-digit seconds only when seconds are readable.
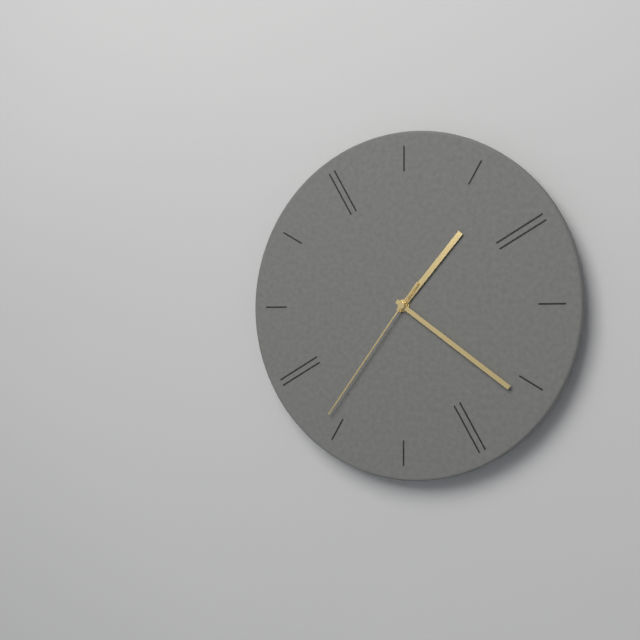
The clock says 1.21.36
